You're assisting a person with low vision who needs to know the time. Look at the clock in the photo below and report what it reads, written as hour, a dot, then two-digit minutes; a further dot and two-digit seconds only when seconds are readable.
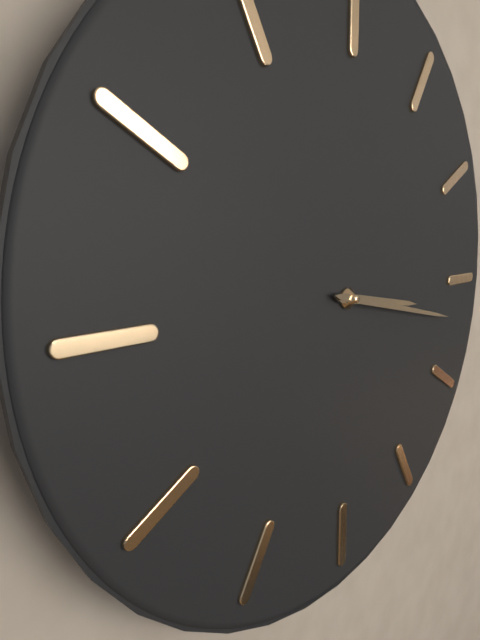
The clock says 3.17
